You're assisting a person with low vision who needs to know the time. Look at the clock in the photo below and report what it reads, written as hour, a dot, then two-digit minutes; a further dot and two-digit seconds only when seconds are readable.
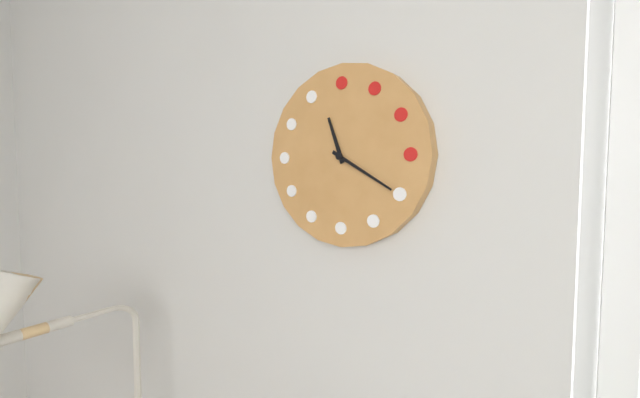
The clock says 11.20
